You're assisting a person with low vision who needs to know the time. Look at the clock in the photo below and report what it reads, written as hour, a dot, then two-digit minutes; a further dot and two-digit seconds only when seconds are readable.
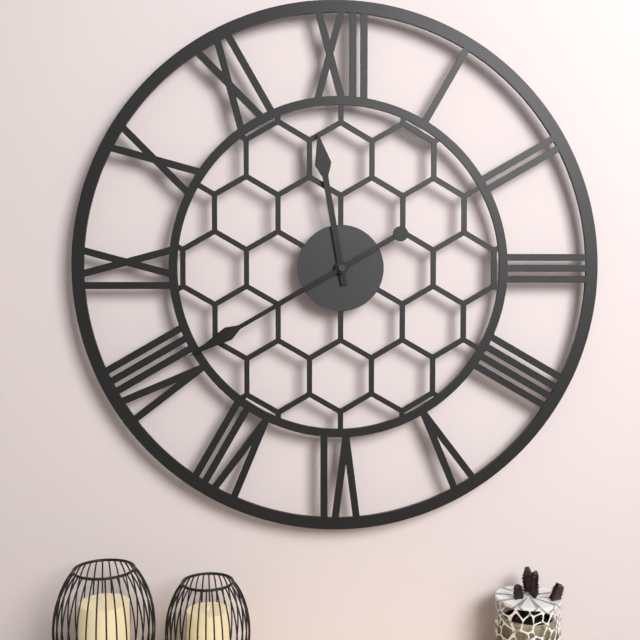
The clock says 11.40
